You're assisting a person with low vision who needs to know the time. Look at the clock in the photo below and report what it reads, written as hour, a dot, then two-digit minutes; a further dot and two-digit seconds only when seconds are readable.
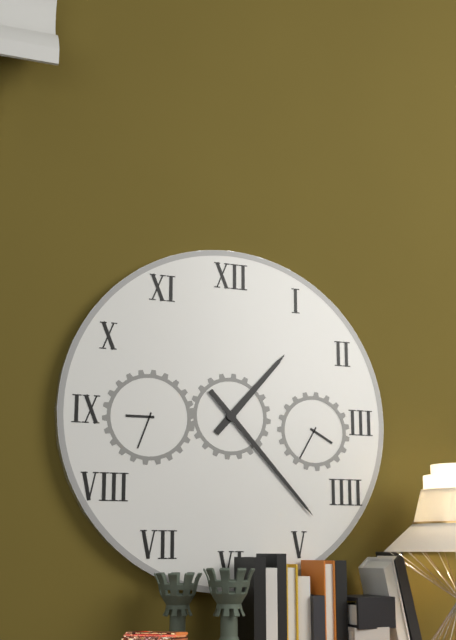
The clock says 1.23
